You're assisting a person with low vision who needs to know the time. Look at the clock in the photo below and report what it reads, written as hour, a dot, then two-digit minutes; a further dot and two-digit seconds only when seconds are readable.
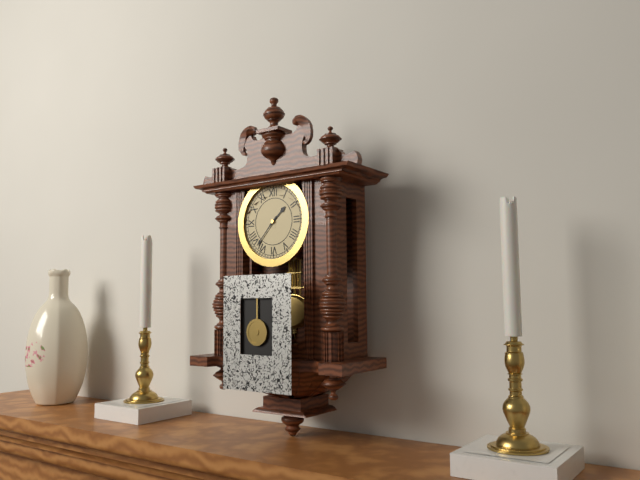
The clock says 1.37
